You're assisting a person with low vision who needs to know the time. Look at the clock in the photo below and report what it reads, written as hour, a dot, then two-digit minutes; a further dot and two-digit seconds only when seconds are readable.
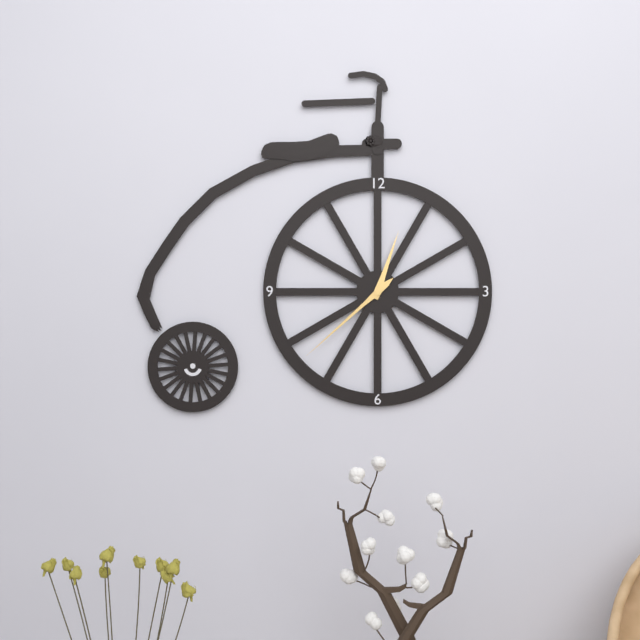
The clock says 12.38
